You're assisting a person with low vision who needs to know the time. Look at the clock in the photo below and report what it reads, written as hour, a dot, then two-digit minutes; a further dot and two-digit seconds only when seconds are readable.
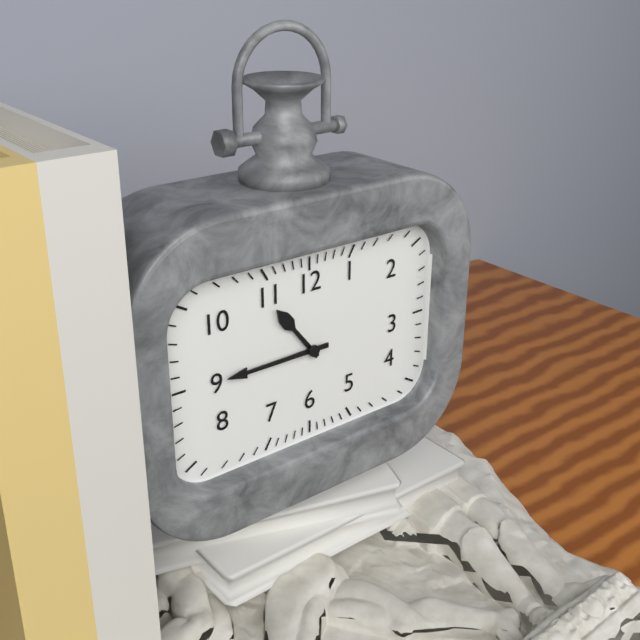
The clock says 10.45
